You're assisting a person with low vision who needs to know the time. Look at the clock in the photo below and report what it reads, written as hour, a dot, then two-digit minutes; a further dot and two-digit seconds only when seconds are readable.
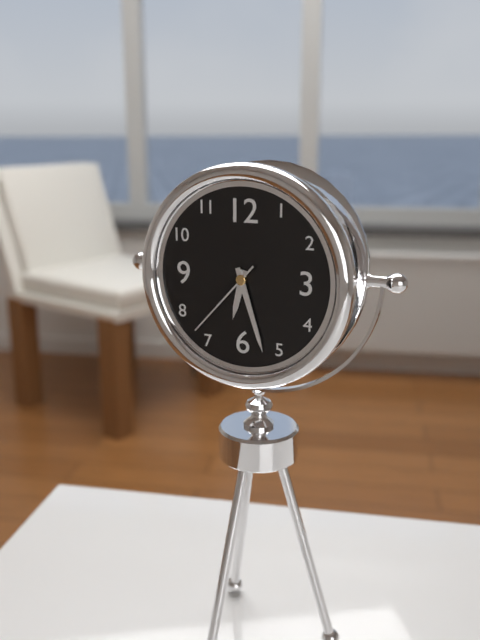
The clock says 6.27.37
